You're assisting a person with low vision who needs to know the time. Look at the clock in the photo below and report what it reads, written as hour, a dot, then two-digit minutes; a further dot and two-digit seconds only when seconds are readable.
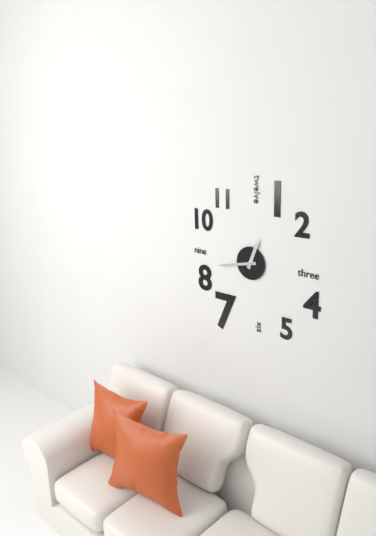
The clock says 12.43
